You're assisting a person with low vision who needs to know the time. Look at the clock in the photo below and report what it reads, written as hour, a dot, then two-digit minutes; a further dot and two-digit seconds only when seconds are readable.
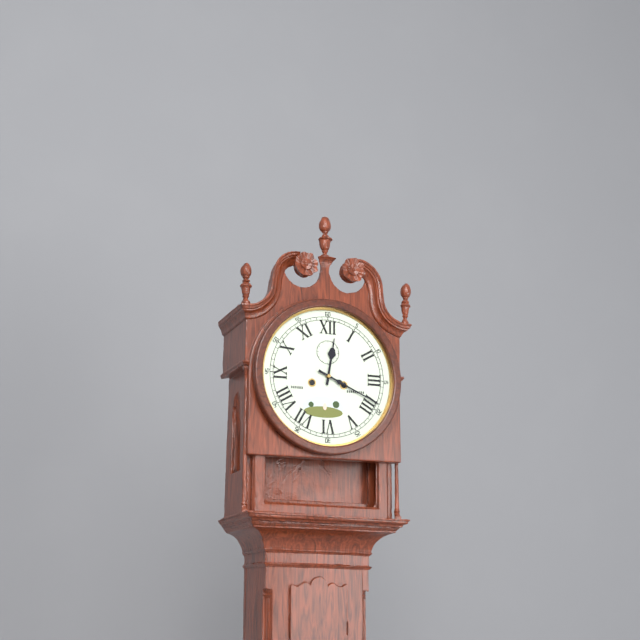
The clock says 12.19
